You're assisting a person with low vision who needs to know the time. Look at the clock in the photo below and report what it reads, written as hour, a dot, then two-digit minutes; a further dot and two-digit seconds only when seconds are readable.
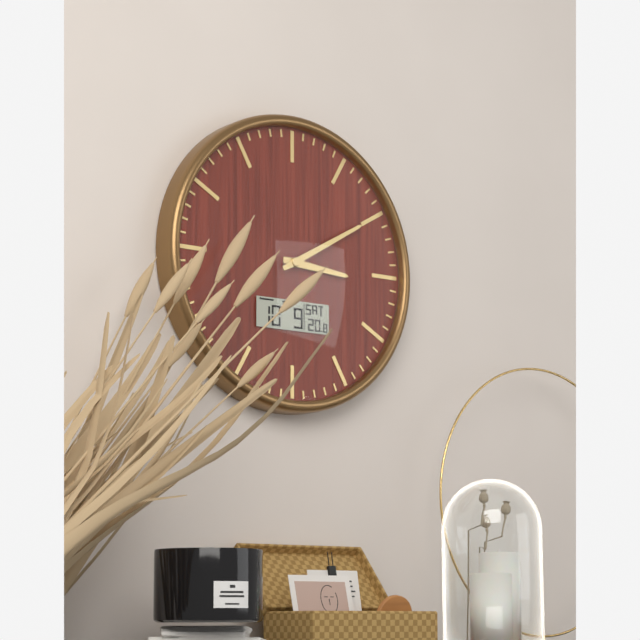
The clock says 3.10
